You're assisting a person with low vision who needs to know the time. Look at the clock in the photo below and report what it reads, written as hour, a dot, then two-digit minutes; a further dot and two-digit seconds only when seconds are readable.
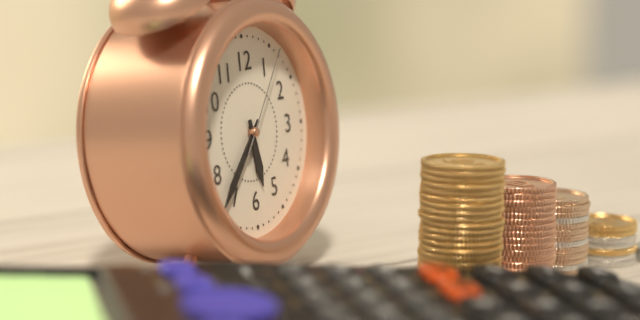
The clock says 5.37.06
